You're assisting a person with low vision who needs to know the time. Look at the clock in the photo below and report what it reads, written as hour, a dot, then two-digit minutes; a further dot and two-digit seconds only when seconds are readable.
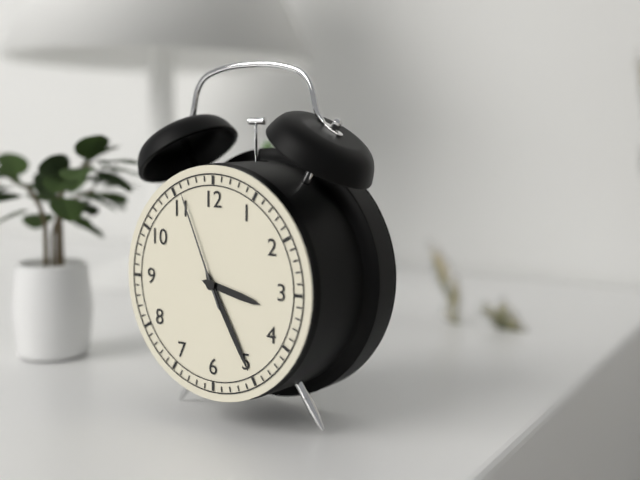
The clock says 3.25.56
